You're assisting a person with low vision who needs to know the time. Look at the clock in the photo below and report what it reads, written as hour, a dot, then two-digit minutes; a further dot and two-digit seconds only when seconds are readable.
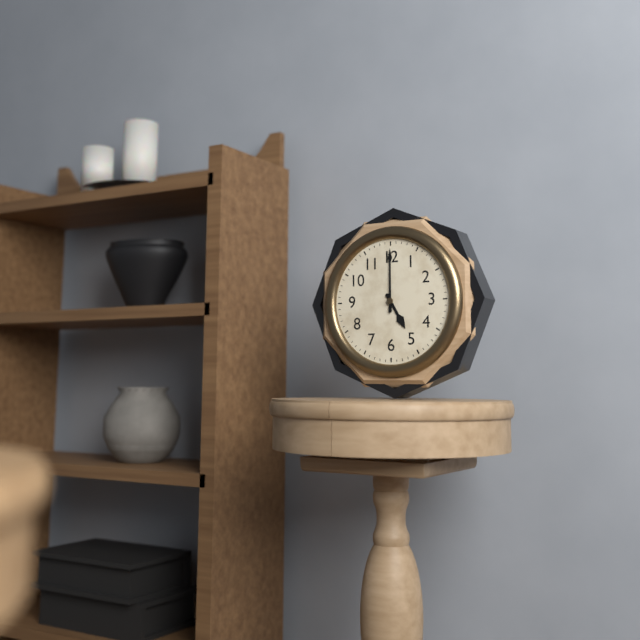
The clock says 5.00
